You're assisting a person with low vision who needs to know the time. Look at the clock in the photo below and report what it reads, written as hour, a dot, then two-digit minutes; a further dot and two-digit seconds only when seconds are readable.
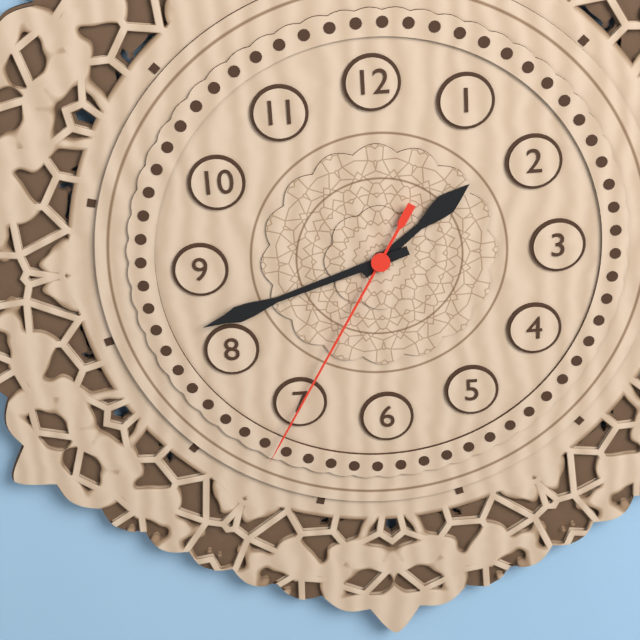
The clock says 1.42.35
